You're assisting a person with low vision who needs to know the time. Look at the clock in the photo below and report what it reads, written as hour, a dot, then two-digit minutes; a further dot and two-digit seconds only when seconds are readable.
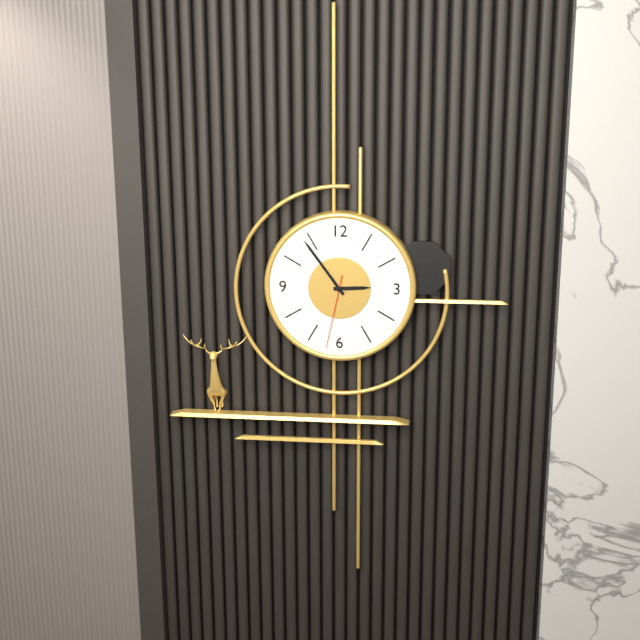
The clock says 2.54.32
